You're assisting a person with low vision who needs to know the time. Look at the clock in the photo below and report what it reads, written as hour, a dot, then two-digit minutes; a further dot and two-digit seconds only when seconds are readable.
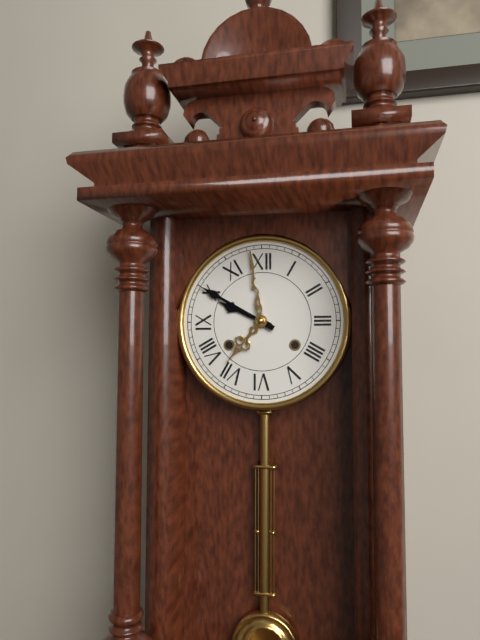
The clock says 9.50
